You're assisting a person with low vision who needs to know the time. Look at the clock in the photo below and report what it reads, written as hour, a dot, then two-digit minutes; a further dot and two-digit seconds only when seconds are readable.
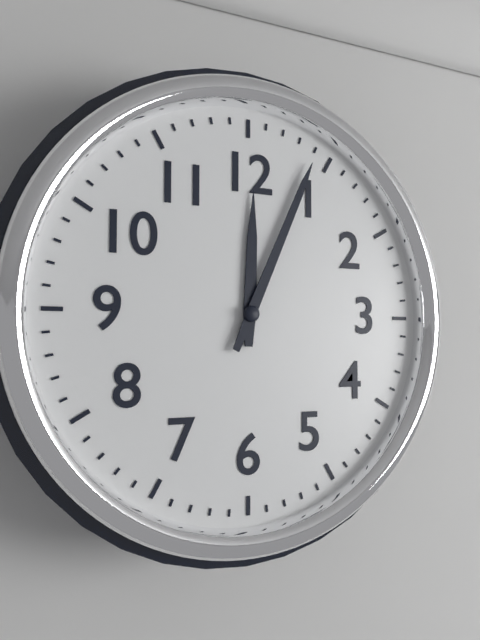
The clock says 12.04
